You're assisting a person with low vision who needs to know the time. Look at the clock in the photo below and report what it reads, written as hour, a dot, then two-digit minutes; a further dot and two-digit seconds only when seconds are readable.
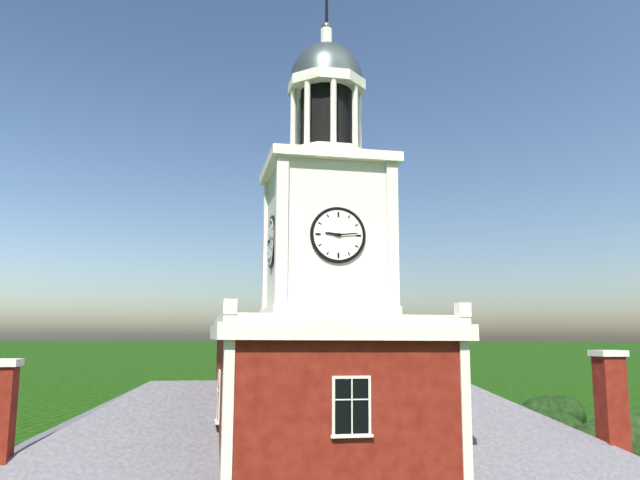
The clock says 9.14
